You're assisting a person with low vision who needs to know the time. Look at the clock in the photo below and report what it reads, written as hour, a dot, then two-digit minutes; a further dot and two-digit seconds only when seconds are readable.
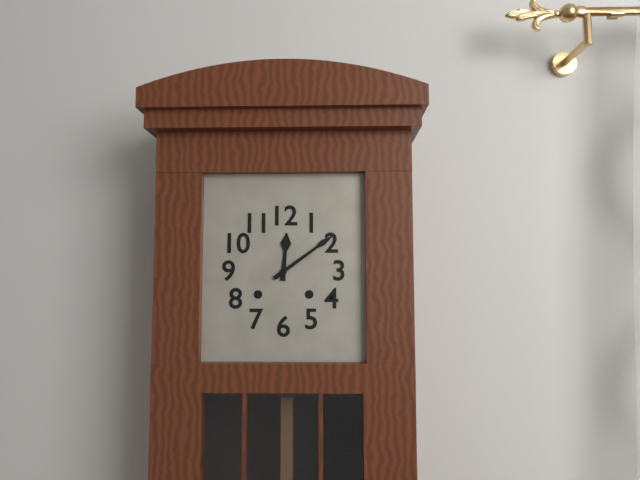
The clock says 12.09
